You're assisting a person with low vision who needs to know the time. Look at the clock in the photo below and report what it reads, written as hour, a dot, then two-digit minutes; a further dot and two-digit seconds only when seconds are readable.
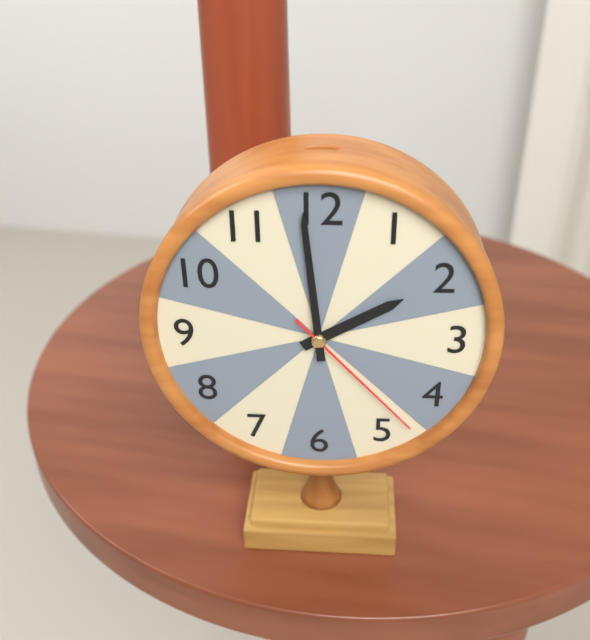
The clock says 1.59.23
